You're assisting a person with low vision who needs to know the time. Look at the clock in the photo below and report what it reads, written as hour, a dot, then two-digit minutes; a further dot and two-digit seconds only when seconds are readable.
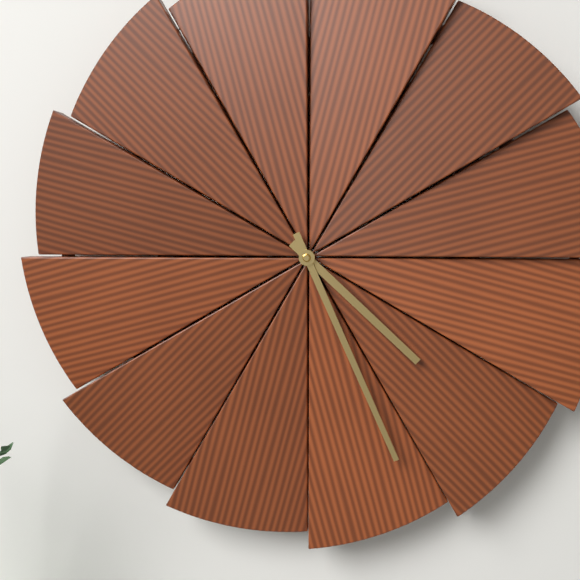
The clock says 4.26
